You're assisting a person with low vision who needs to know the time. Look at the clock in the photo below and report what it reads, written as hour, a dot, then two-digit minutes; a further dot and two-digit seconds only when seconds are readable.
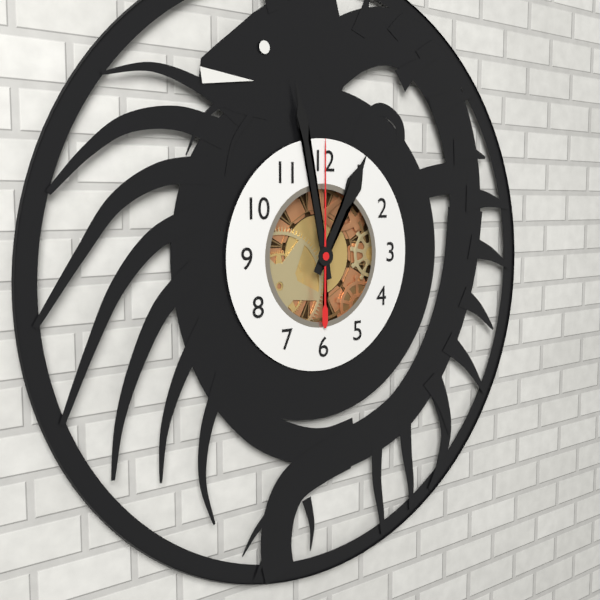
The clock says 12.58.00
